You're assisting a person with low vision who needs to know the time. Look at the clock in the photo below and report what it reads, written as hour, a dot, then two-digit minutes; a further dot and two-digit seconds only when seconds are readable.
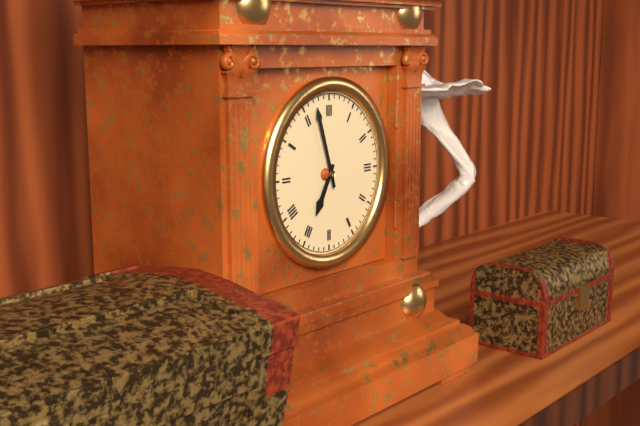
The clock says 6.57
